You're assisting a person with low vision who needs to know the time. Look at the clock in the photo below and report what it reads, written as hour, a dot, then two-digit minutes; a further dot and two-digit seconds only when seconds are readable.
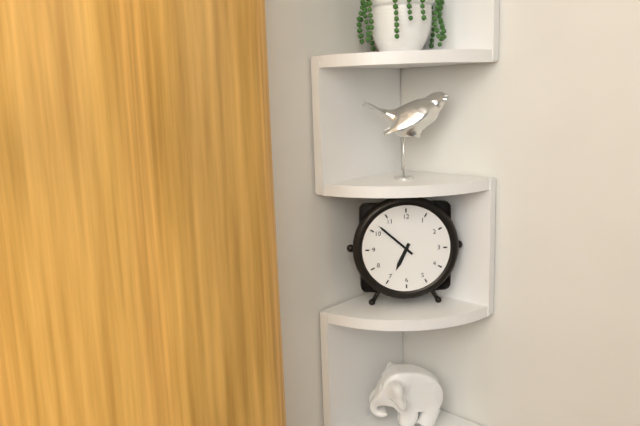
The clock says 6.52
